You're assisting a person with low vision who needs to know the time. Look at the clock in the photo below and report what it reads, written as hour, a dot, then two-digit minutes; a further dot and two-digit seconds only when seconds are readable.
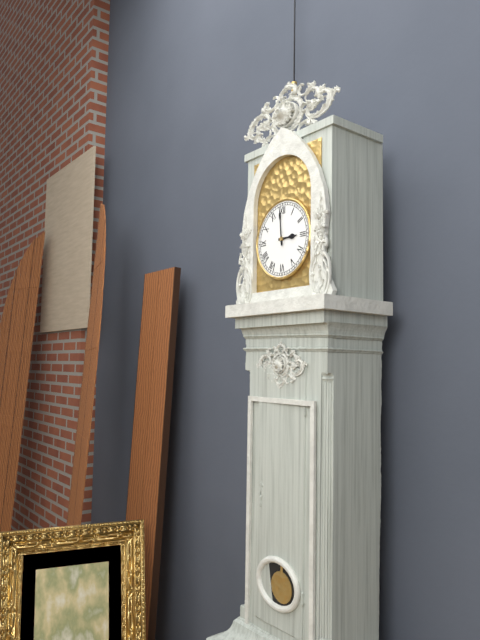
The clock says 2.59
